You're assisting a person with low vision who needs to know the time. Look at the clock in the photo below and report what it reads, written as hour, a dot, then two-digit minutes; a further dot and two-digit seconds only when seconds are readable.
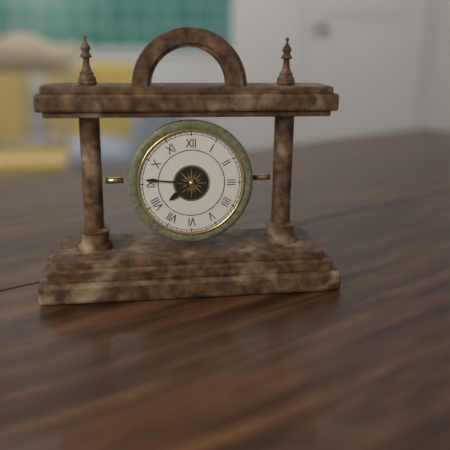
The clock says 7.46
